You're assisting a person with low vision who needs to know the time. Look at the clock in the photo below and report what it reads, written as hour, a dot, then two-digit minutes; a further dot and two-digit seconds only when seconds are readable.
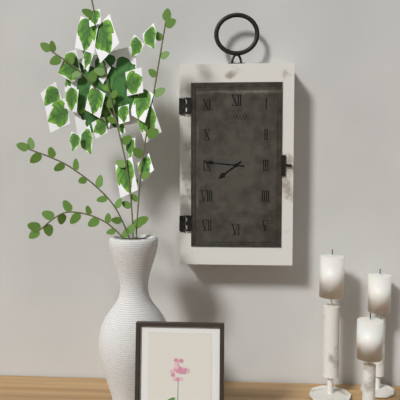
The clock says 7.46
